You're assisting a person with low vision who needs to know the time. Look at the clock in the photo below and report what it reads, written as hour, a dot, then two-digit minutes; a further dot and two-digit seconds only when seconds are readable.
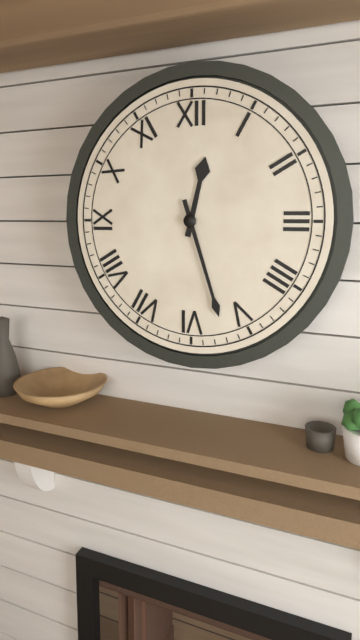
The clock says 12.27
